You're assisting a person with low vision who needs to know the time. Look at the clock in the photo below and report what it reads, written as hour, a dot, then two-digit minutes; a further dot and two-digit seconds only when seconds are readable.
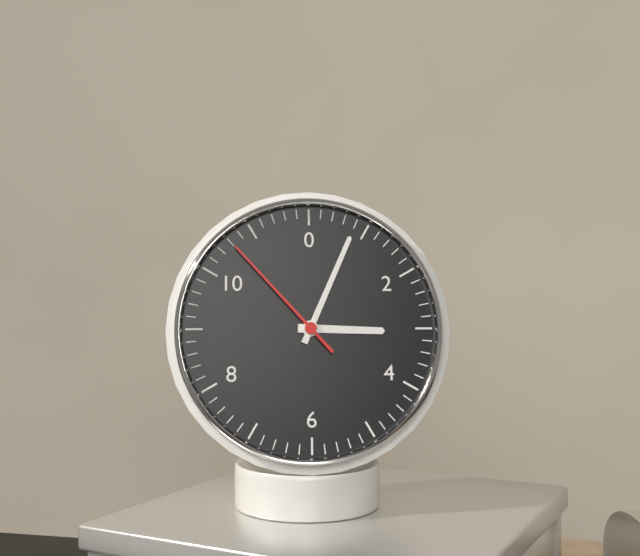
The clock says 3.04.53
